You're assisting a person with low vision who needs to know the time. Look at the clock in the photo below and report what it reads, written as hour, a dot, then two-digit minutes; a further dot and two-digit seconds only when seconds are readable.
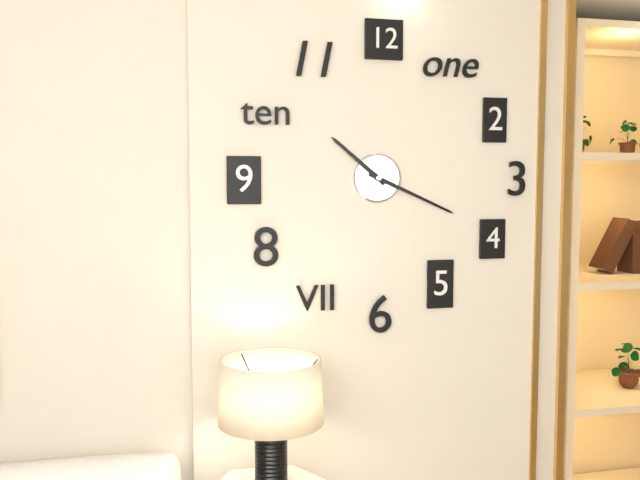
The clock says 10.19
